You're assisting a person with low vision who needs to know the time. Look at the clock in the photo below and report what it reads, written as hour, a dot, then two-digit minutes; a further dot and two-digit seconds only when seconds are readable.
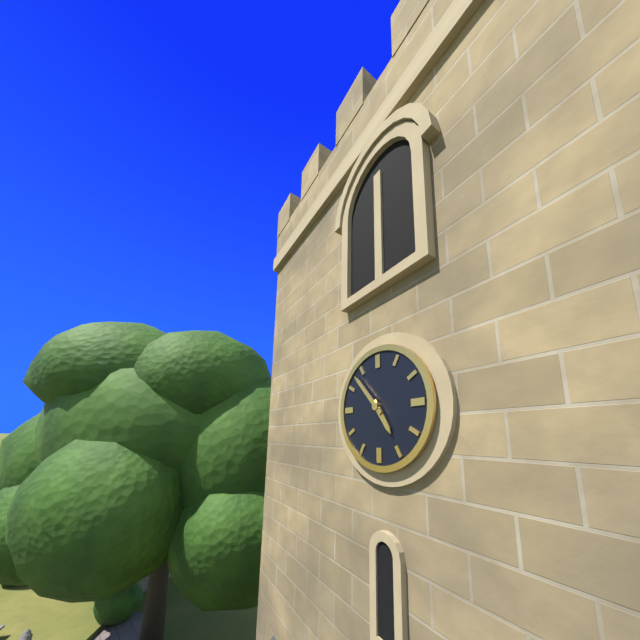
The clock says 4.53
